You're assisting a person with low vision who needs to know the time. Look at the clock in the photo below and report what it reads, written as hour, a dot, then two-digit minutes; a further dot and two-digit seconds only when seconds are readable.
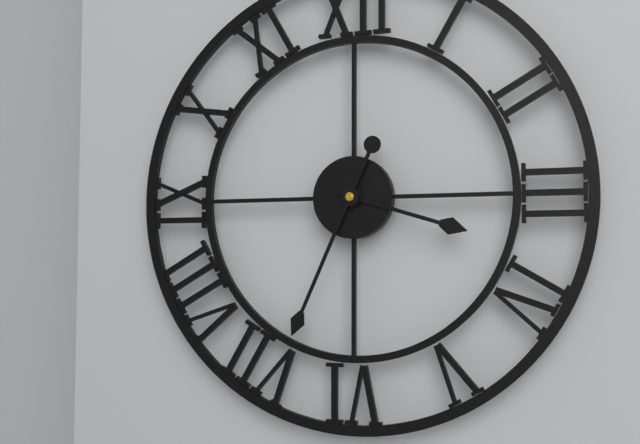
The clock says 3.34
